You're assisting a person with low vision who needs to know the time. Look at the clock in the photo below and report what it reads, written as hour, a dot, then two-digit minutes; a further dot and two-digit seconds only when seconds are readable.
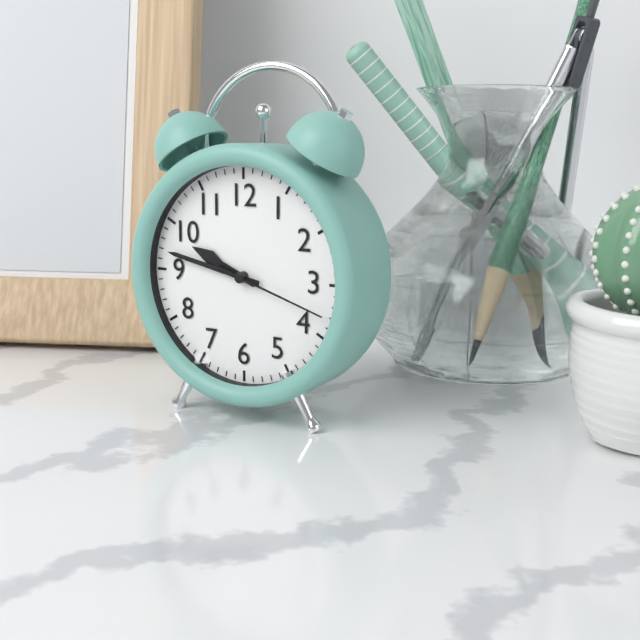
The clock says 9.47.18
